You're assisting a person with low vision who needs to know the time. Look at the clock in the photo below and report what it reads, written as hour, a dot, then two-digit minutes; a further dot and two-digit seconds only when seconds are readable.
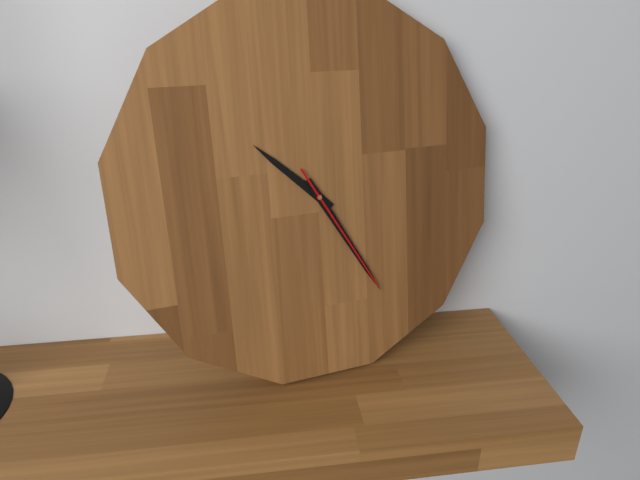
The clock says 10.25.25
